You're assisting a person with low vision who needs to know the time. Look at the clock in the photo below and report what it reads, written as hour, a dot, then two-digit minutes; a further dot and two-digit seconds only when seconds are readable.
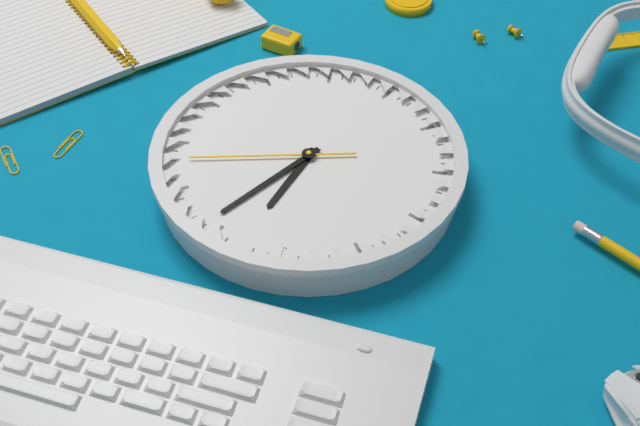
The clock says 6.36.43
